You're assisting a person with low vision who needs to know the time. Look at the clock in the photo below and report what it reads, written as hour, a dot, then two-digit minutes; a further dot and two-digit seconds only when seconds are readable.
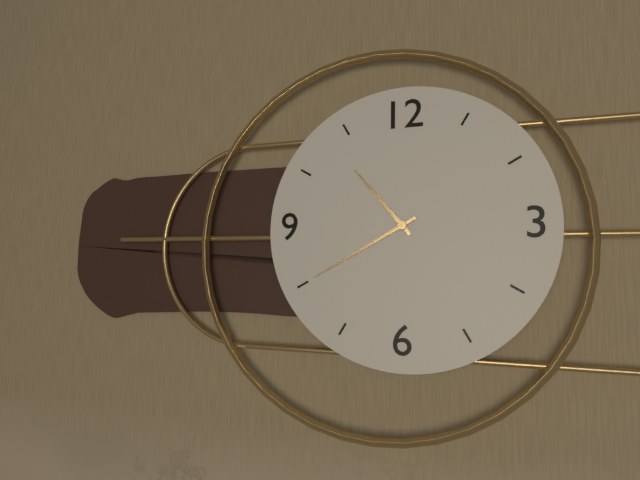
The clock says 10.40
